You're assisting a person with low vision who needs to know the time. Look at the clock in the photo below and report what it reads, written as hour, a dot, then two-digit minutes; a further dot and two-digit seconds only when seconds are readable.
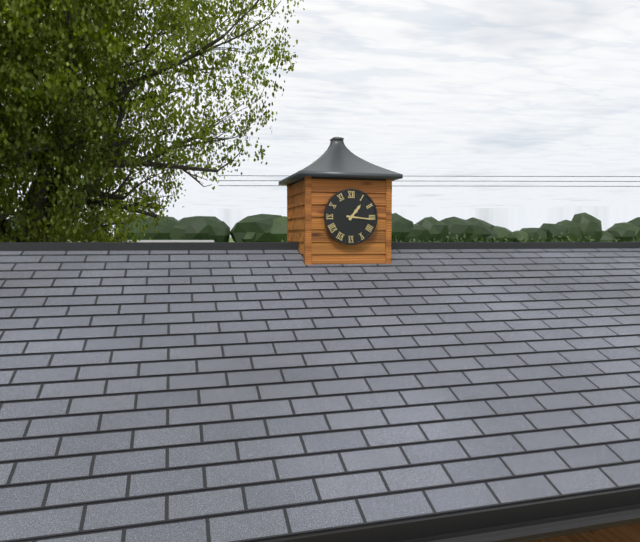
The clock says 1.16
